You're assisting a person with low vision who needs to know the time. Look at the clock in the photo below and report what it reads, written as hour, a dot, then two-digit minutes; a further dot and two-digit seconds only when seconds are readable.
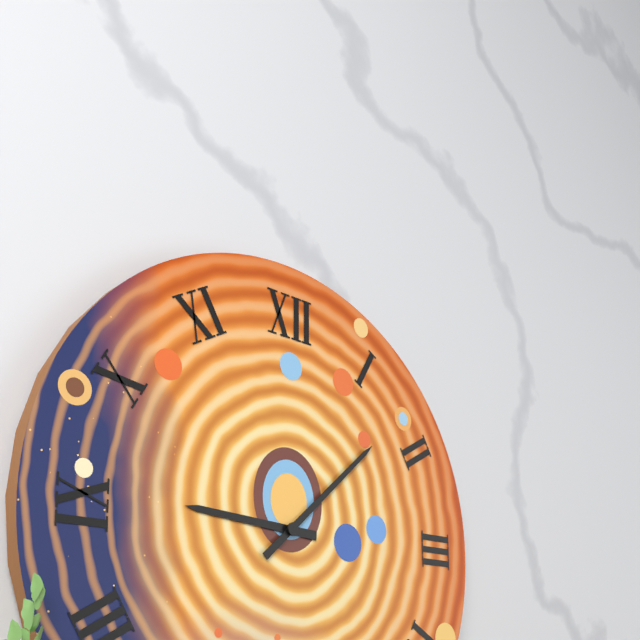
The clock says 9.08
